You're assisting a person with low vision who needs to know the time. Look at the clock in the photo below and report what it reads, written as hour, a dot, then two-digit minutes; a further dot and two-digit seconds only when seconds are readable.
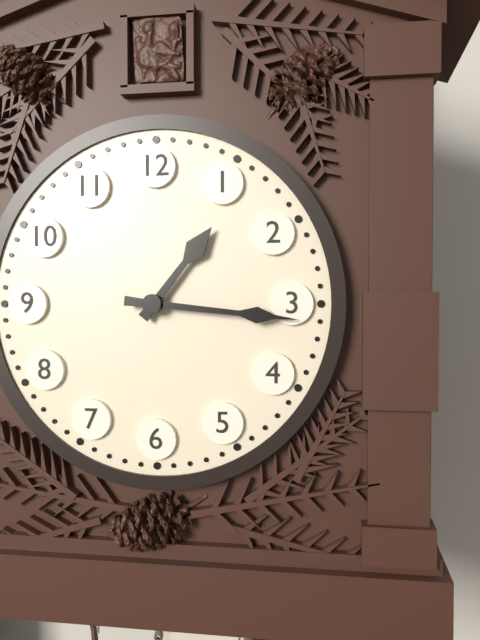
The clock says 1.16
